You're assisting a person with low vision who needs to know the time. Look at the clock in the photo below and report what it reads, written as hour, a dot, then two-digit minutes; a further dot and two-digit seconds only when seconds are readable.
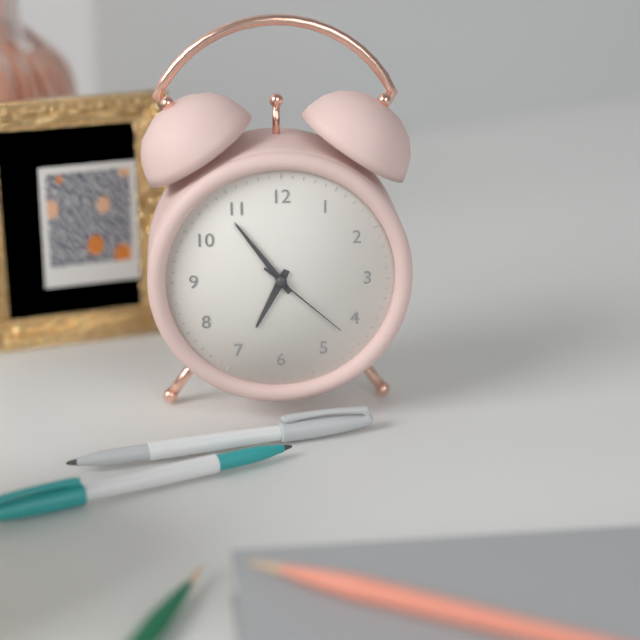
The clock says 6.54.22
